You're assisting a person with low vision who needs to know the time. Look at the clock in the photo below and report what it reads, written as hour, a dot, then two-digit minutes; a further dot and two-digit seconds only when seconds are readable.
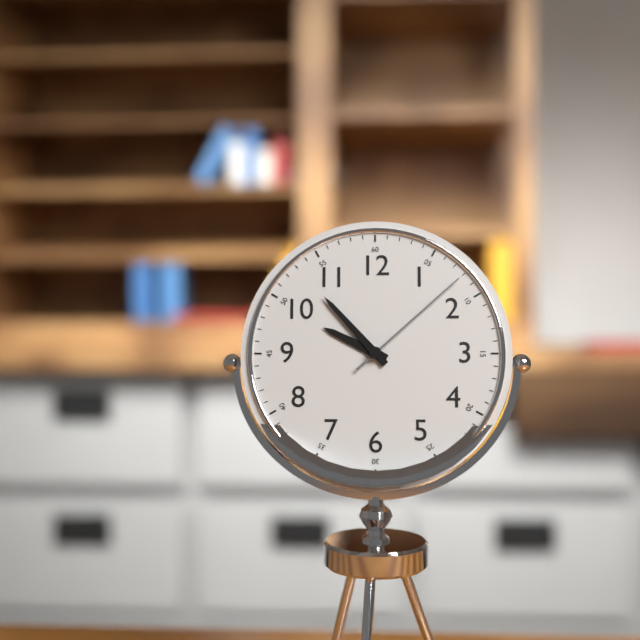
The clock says 9.53.08
